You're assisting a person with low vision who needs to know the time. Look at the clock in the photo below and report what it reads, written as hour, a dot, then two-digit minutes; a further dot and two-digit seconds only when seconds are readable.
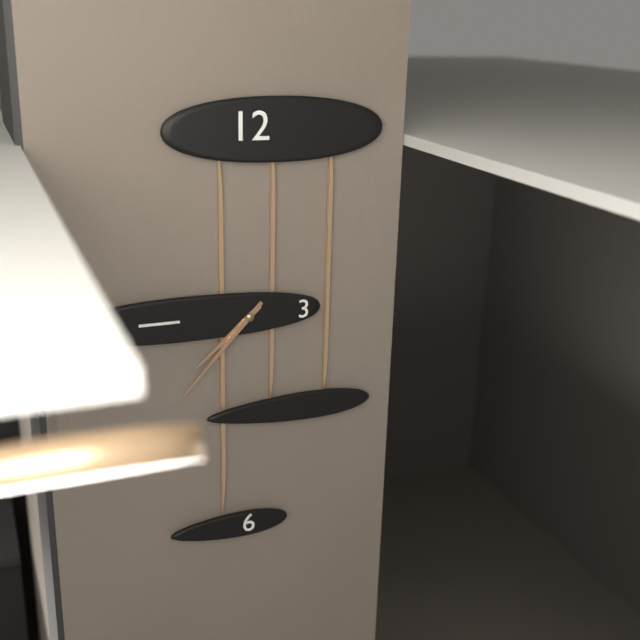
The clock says 7.37
